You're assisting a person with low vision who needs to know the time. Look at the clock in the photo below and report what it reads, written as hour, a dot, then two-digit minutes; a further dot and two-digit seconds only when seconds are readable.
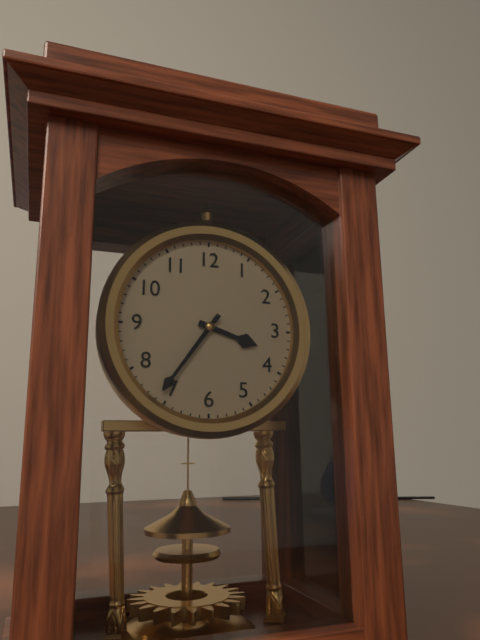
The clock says 3.36
